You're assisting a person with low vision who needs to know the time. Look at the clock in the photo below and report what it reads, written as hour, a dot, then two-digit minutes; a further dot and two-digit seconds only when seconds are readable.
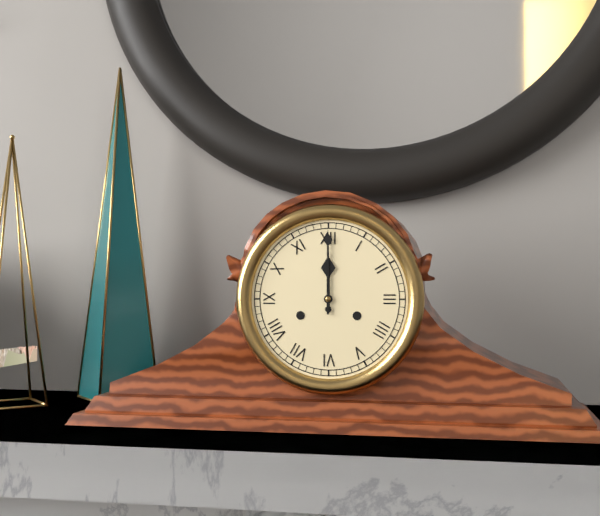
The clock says 12.00
